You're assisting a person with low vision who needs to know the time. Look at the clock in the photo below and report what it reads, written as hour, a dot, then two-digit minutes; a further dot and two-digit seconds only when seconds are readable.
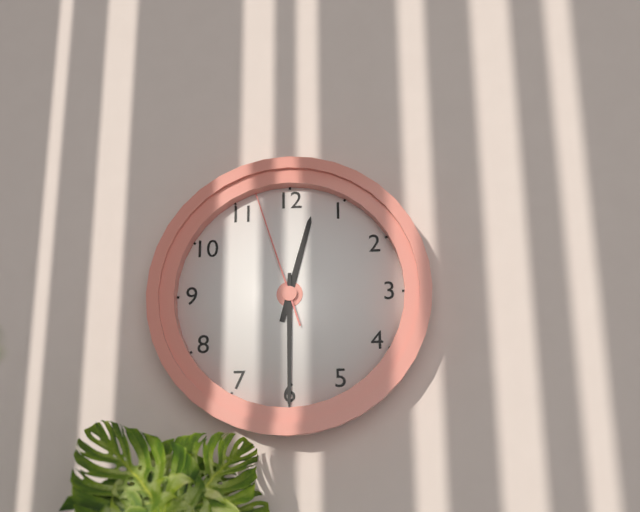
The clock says 12.30.57
